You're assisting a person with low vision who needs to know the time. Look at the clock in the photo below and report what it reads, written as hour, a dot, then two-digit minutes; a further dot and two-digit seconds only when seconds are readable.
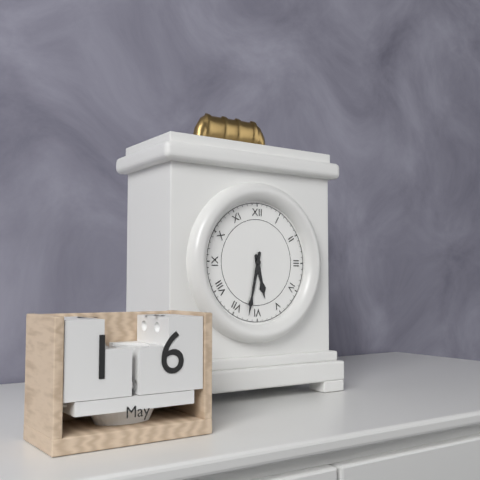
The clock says 5.32
